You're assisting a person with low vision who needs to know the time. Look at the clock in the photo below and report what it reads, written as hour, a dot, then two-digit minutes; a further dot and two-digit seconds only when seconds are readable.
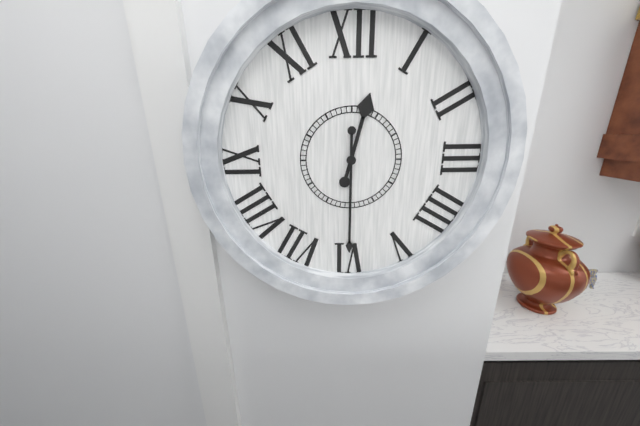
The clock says 12.30
